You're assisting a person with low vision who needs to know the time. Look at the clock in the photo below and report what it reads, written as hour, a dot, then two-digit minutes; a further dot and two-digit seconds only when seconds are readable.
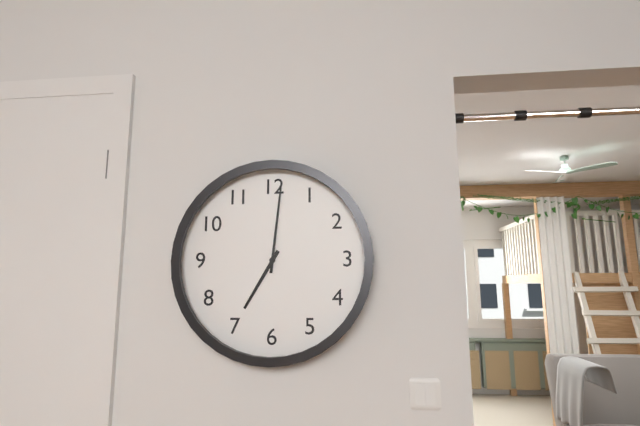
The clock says 7.01
